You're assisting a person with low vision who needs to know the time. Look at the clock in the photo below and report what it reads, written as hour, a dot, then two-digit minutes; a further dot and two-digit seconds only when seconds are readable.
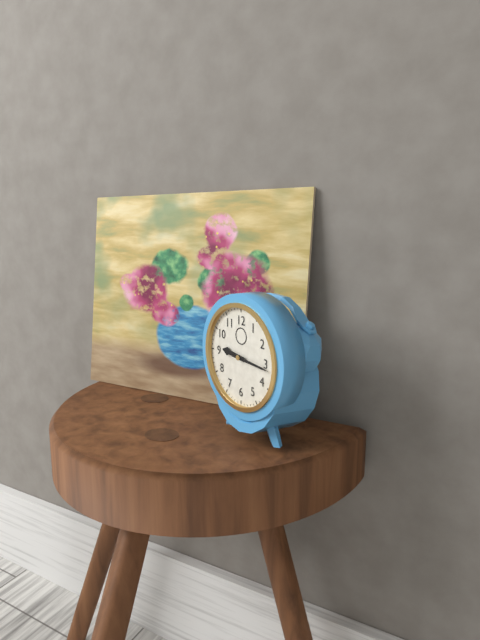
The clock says 9.16
